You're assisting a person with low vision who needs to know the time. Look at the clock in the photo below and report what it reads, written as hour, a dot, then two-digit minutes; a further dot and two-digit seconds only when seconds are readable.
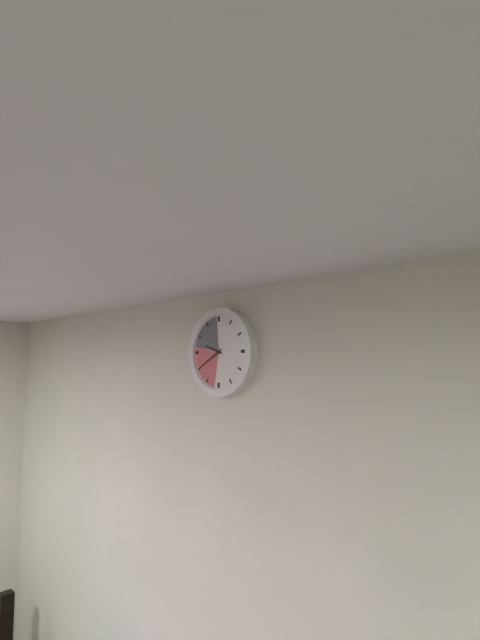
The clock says 9.40
